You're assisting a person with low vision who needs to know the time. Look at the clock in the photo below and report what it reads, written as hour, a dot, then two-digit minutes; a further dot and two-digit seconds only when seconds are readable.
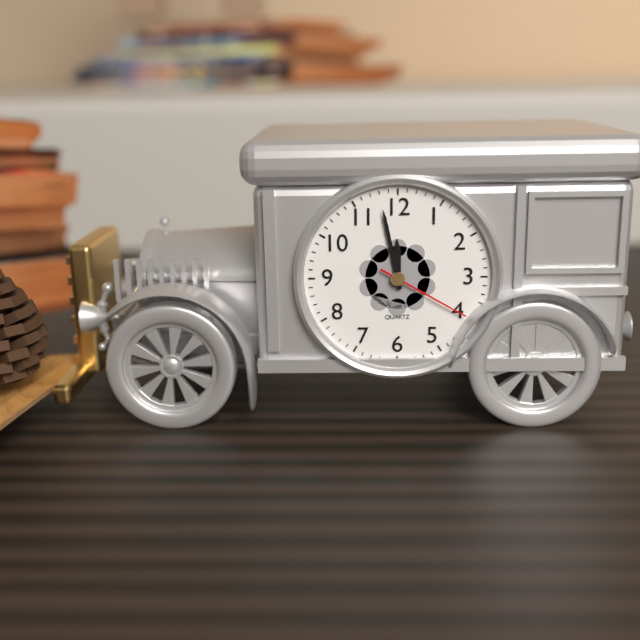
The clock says 11.58.20
